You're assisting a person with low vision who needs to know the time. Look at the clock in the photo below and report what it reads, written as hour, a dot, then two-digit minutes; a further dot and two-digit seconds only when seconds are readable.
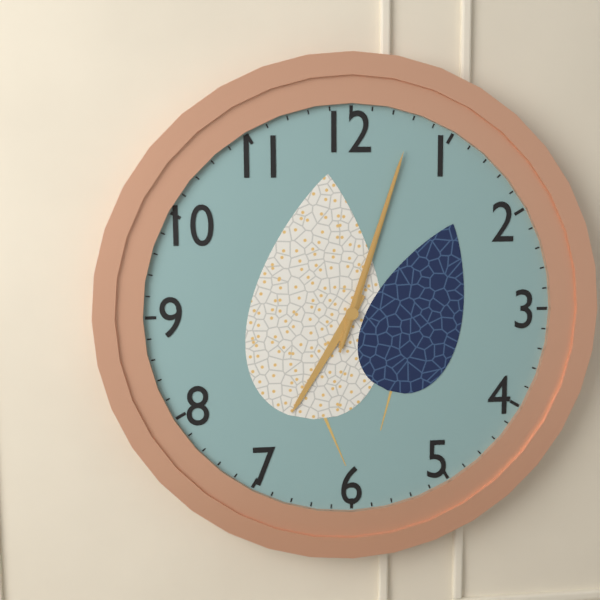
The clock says 7.03.03
